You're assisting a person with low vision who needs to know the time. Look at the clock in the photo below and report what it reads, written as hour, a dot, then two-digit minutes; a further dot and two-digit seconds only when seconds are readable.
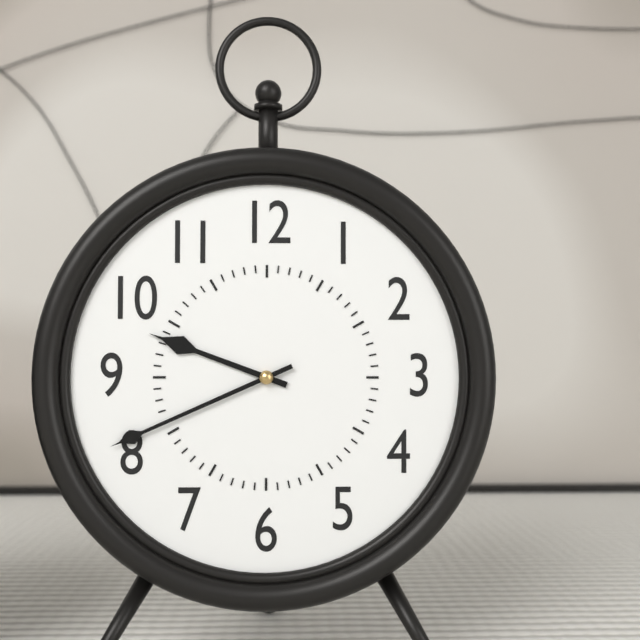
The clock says 9.41
